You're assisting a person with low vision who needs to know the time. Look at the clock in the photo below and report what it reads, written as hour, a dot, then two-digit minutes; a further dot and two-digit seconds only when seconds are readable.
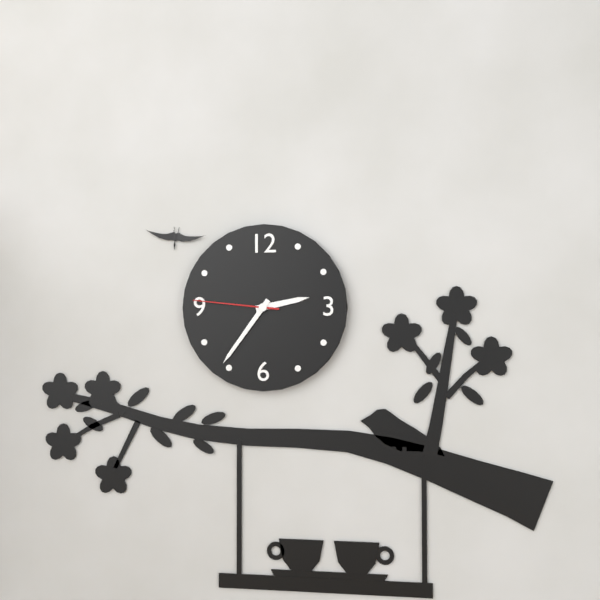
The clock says 2.36.46
